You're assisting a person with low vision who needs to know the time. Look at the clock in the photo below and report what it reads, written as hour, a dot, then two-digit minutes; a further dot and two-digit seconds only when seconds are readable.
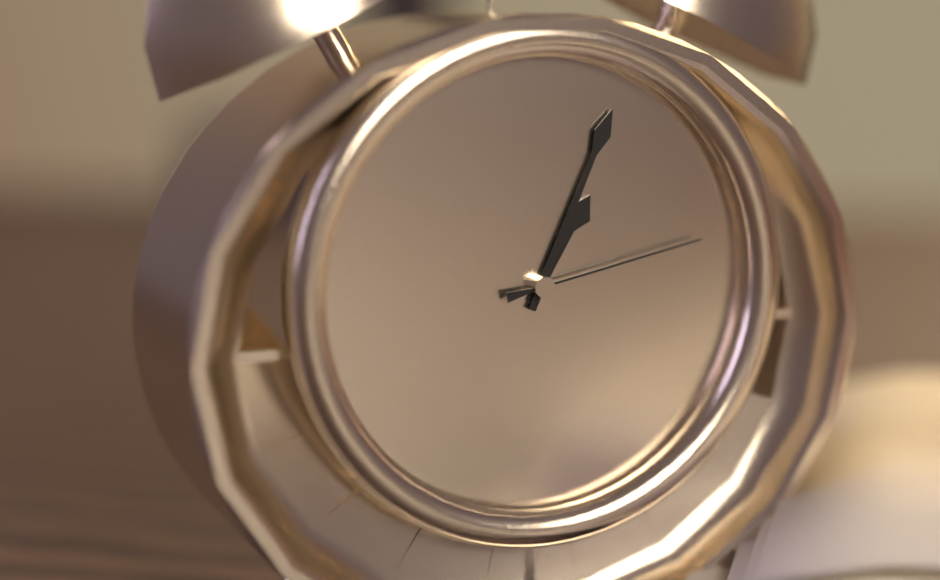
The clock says 1.04.13
